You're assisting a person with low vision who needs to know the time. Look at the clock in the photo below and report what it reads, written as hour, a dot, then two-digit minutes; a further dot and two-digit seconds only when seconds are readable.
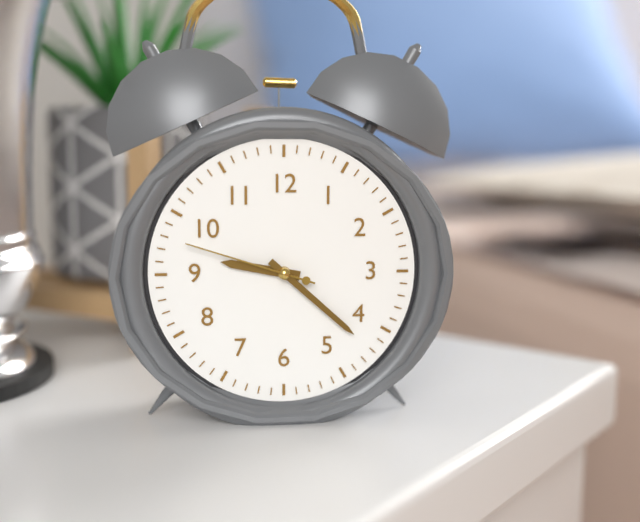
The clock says 9.22.48
